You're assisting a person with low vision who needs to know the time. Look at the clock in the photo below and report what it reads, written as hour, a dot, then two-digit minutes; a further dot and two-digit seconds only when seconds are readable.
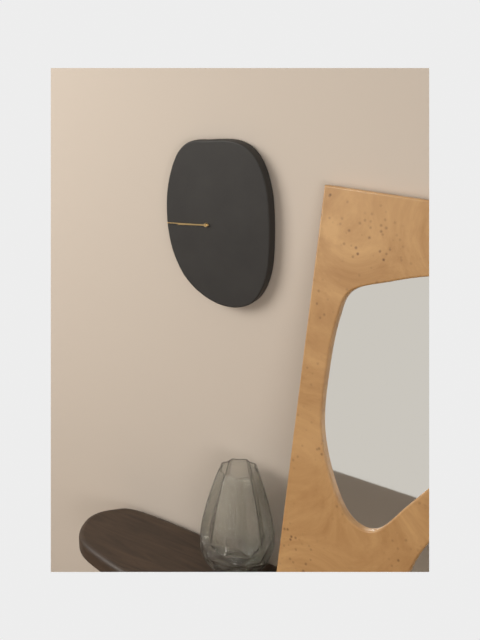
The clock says 8.44
